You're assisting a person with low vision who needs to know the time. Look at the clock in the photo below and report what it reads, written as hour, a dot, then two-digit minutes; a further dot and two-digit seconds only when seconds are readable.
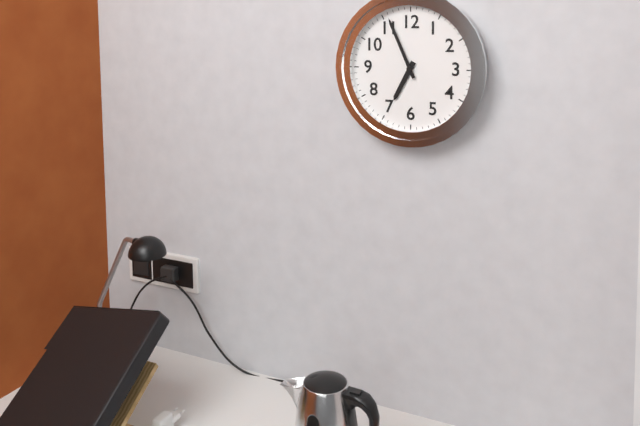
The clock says 6.56
